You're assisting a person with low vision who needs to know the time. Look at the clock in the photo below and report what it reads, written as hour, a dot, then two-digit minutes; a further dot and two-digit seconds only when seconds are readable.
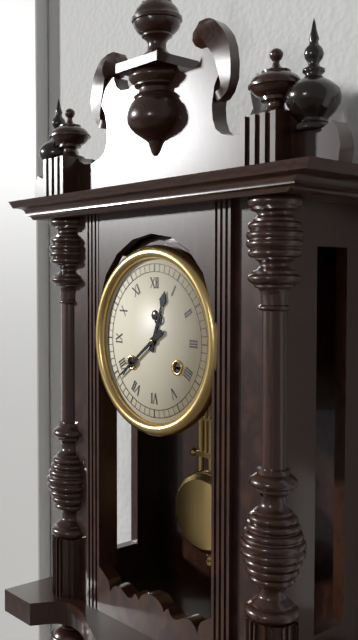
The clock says 12.39
